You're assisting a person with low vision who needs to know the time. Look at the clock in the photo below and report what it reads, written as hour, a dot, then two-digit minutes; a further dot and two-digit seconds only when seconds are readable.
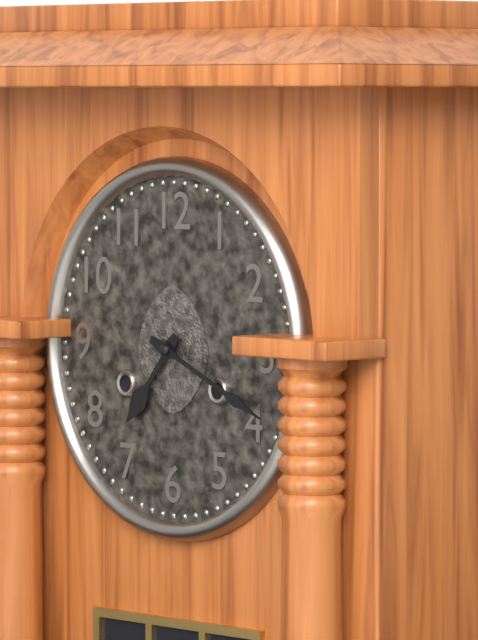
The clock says 7.19
